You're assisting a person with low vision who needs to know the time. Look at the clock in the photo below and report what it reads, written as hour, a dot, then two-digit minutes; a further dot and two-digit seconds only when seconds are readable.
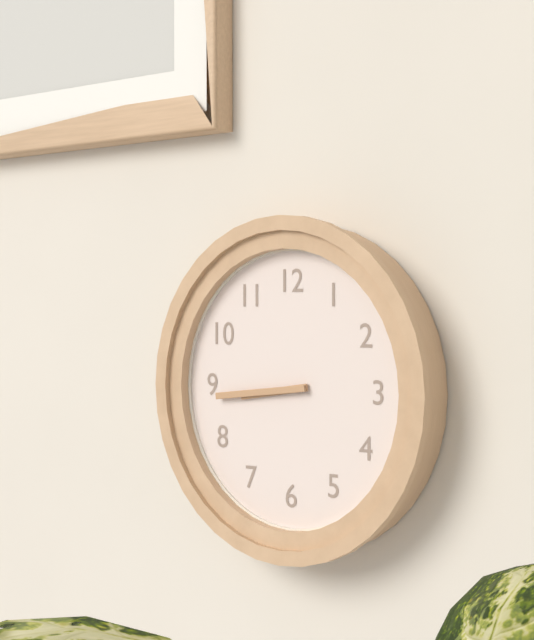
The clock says 8.44
